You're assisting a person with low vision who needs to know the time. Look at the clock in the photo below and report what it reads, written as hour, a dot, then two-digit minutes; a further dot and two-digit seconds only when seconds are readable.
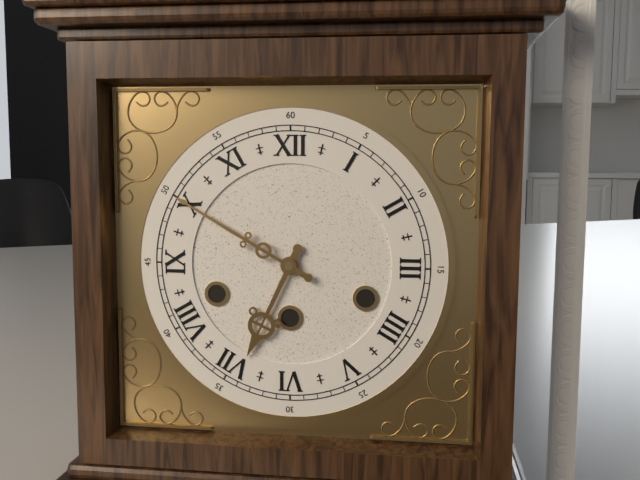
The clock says 6.50
